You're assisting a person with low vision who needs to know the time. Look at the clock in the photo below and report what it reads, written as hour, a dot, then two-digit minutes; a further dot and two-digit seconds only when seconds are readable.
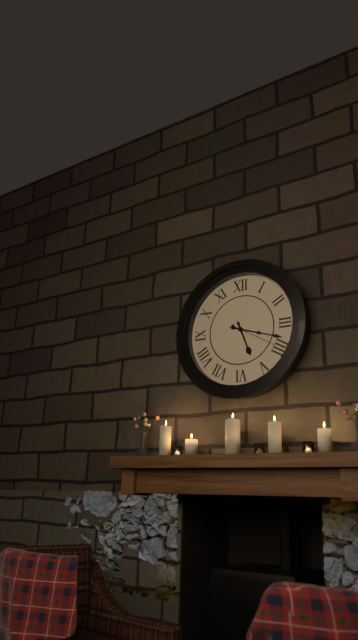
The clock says 5.18
